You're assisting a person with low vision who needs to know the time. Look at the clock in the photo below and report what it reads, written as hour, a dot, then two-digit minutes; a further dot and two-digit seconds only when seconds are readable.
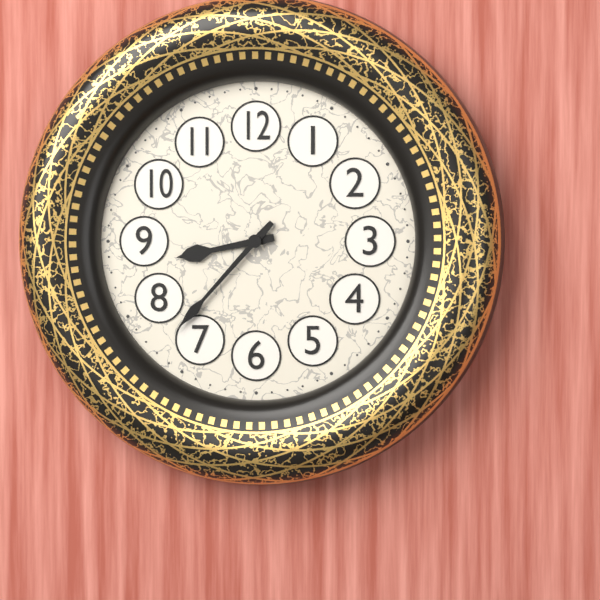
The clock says 8.37
